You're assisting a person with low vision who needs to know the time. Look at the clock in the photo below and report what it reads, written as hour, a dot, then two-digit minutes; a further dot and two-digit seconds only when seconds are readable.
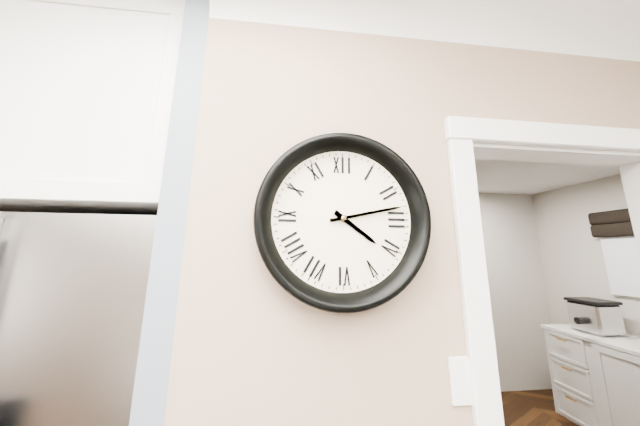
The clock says 4.13
